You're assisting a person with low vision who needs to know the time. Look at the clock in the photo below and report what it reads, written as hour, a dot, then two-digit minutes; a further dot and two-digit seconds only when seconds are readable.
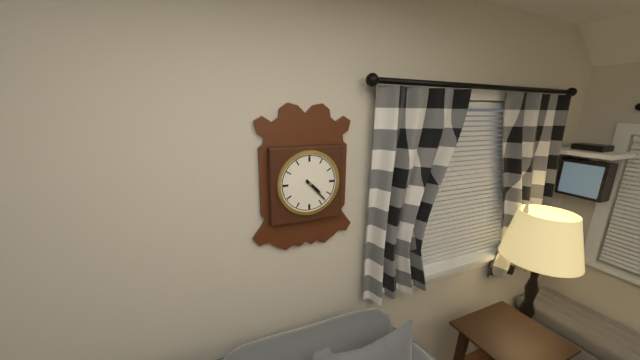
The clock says 4.23
